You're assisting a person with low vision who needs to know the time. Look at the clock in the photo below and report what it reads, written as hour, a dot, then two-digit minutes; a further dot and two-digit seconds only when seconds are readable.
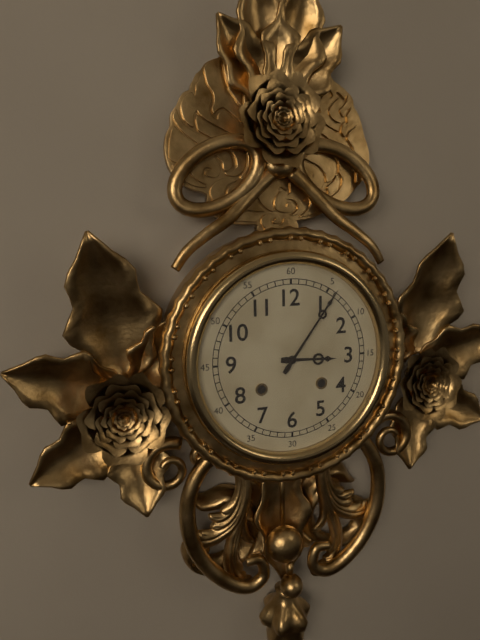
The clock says 3.06
